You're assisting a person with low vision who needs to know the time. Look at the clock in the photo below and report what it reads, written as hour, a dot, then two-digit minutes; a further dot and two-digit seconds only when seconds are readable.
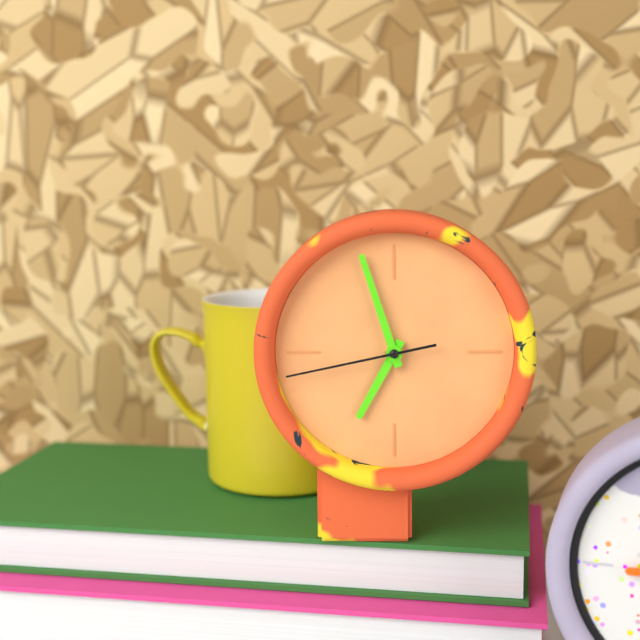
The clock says 6.57.43
